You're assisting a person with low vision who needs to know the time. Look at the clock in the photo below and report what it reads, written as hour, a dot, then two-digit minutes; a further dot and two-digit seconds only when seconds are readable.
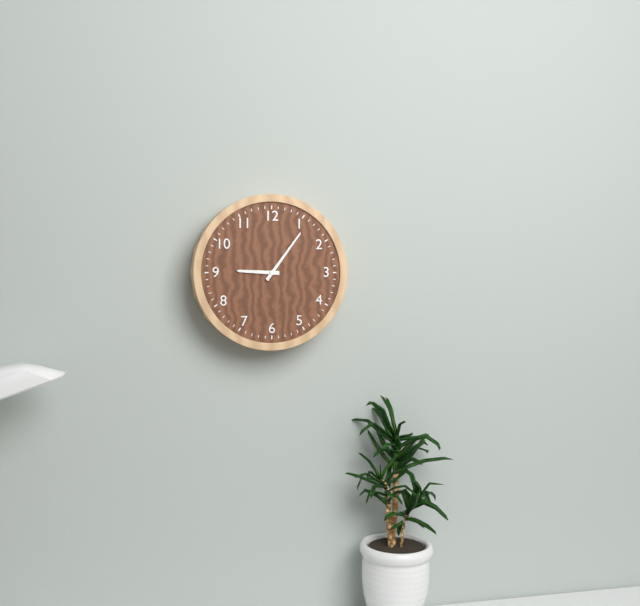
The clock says 9.06
